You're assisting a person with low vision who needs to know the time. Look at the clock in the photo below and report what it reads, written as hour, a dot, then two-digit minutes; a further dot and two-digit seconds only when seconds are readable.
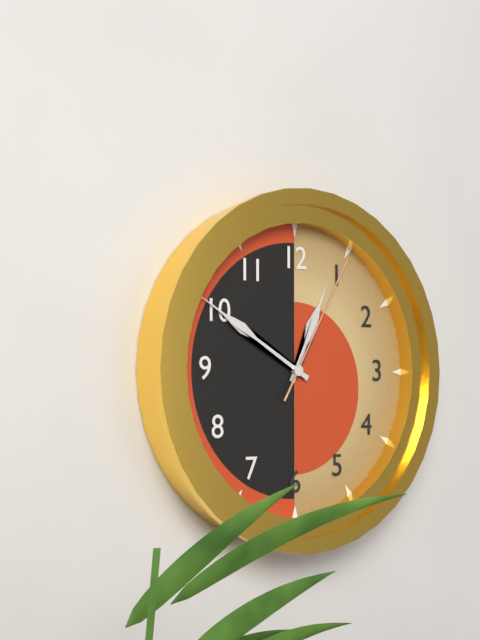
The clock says 12.50.05
